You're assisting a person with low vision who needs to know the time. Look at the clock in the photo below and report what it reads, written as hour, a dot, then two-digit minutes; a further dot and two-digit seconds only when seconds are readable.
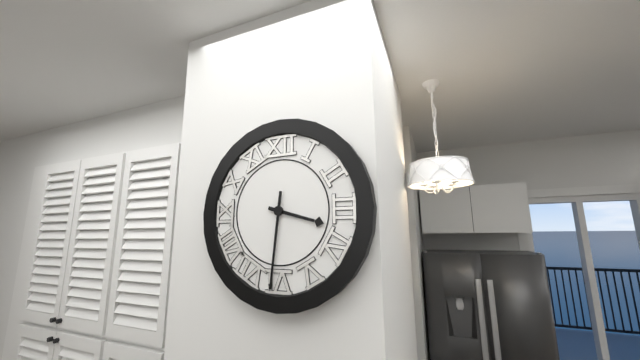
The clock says 3.31
